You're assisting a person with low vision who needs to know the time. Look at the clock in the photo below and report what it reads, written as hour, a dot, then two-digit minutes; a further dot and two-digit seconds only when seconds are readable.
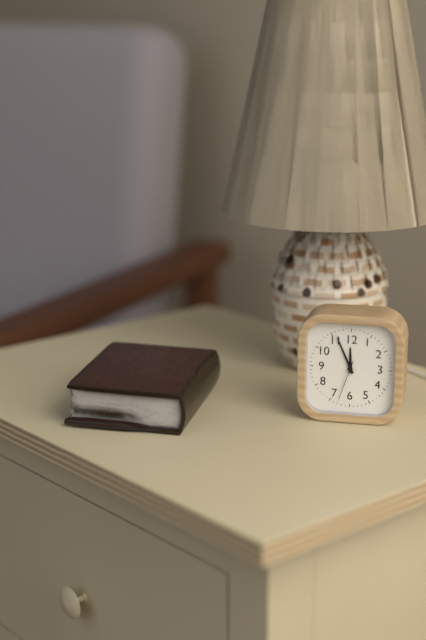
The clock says 11.56
